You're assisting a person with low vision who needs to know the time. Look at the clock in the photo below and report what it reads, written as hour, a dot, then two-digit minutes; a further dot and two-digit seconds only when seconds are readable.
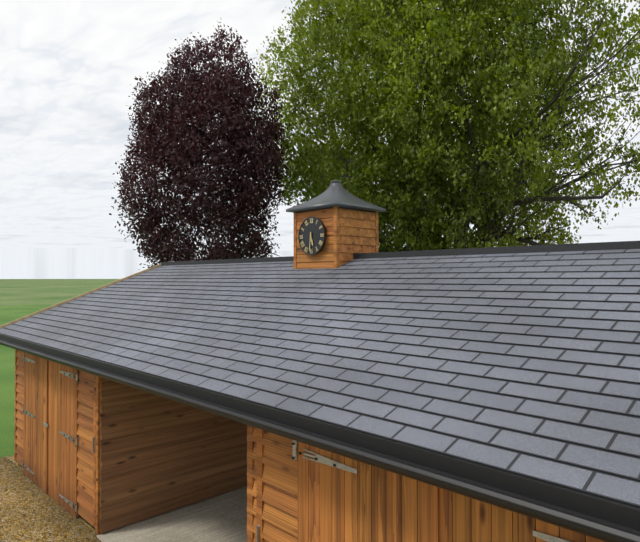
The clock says 5.31
